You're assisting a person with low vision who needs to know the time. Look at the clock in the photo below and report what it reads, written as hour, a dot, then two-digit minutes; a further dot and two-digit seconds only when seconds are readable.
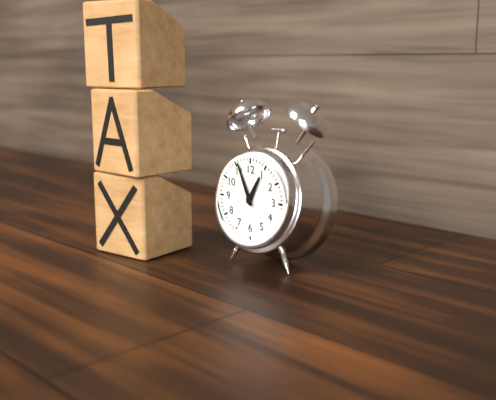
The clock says 12.56
